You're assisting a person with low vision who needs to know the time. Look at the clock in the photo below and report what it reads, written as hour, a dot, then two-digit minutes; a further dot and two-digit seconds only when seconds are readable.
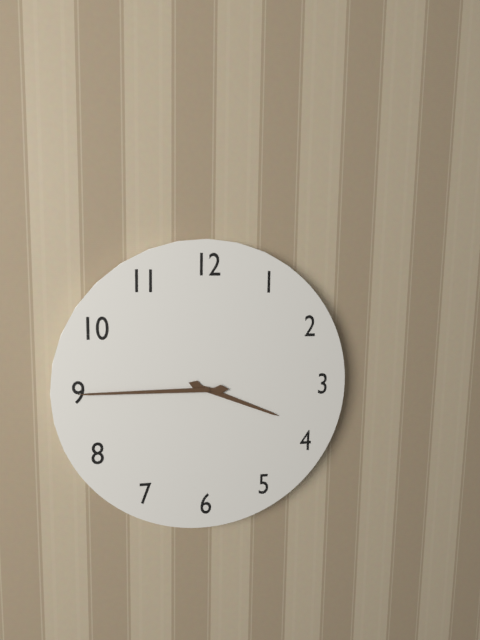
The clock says 3.45
